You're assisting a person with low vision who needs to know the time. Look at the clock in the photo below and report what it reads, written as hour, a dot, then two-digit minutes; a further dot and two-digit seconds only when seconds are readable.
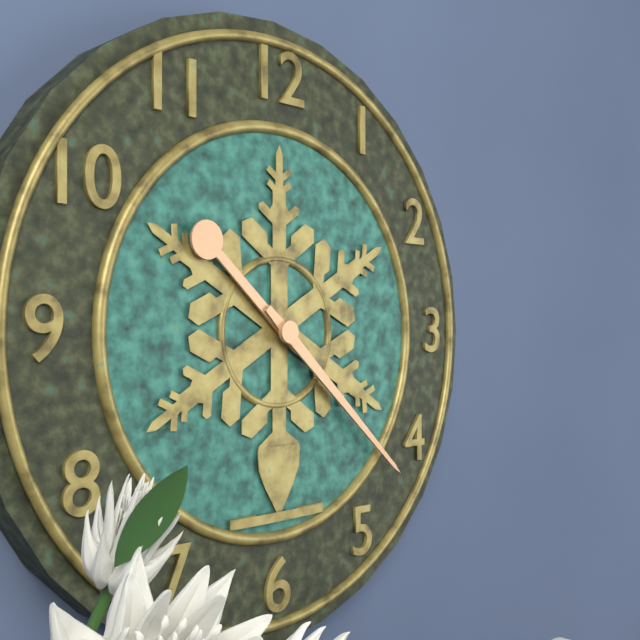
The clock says 10.22
